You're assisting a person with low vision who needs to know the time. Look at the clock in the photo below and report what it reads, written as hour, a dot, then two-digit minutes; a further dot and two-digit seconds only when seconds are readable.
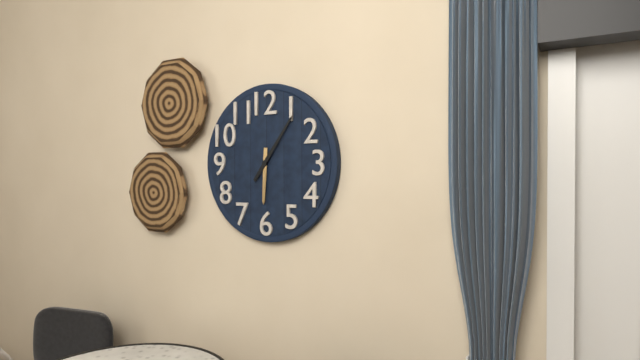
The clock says 6.06
